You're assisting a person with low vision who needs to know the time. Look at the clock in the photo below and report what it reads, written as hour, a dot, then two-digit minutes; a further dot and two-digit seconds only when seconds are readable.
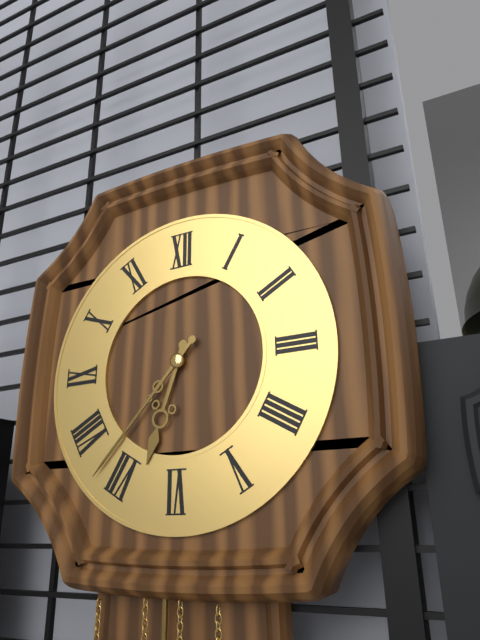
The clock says 6.37
